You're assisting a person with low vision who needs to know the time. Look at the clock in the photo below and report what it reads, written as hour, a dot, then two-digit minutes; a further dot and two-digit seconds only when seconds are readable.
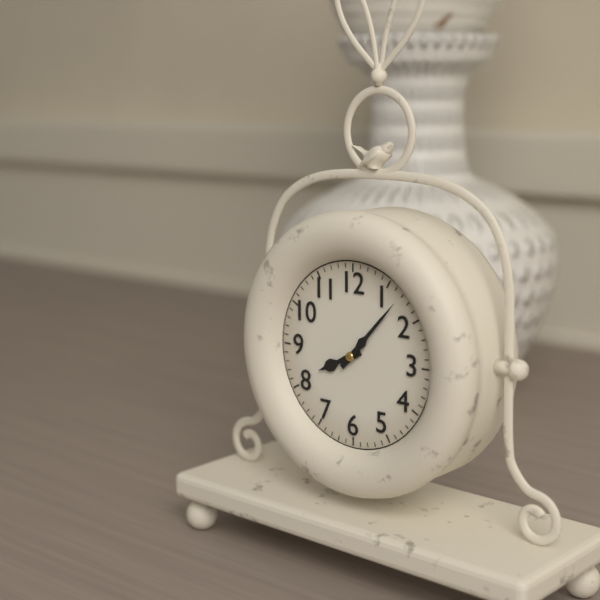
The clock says 8.07
